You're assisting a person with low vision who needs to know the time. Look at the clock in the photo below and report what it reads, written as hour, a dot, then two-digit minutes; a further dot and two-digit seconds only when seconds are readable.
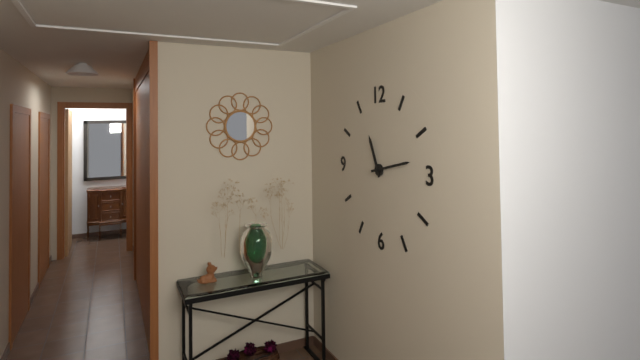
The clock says 11.13
